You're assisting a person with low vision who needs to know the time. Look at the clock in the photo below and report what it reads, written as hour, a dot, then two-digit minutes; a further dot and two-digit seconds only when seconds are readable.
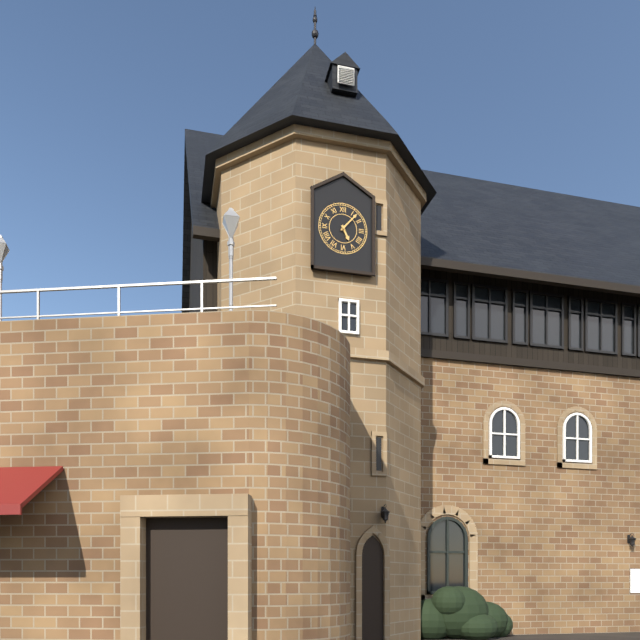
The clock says 5.07
